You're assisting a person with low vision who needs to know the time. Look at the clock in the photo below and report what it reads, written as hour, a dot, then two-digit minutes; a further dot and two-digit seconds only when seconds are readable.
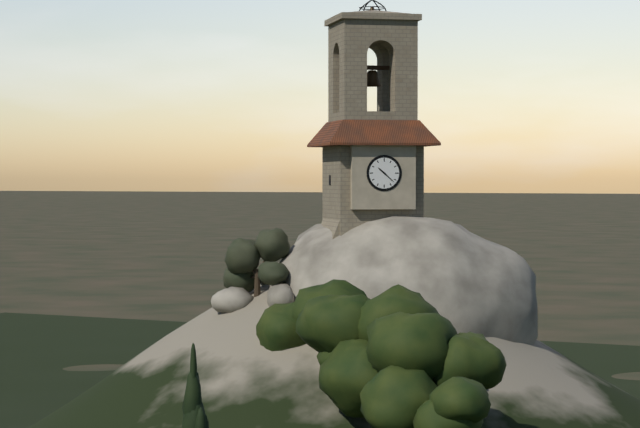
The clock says 10.22
